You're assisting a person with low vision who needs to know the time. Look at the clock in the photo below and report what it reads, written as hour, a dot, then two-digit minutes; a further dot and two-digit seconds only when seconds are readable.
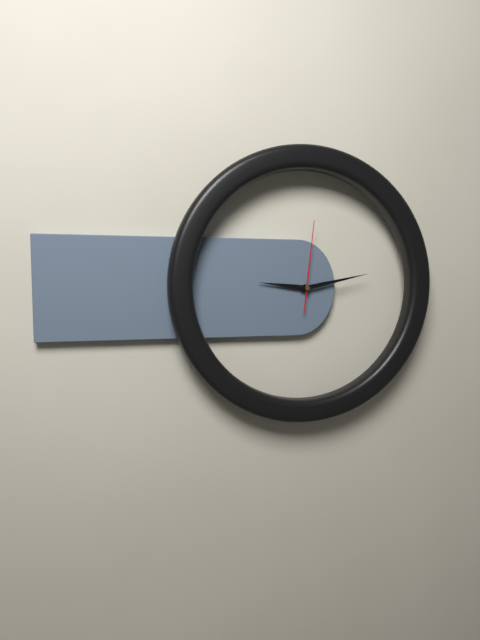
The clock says 9.13.01
